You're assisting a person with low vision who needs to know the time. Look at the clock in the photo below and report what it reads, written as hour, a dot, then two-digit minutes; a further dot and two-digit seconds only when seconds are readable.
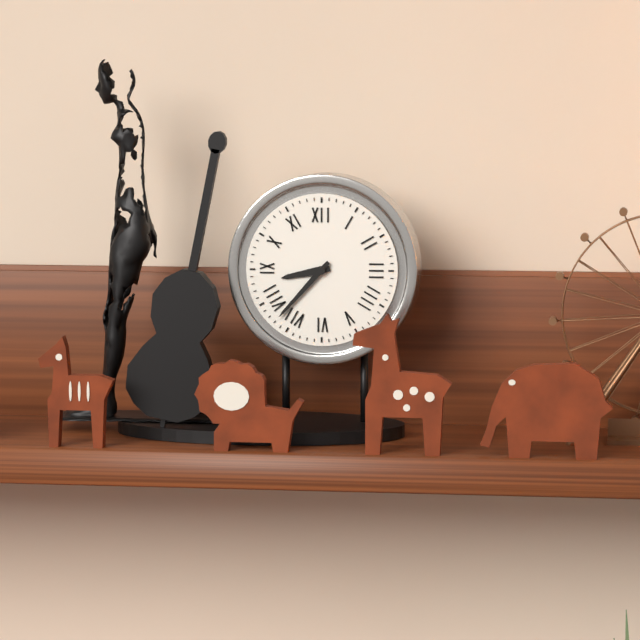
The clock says 8.37
